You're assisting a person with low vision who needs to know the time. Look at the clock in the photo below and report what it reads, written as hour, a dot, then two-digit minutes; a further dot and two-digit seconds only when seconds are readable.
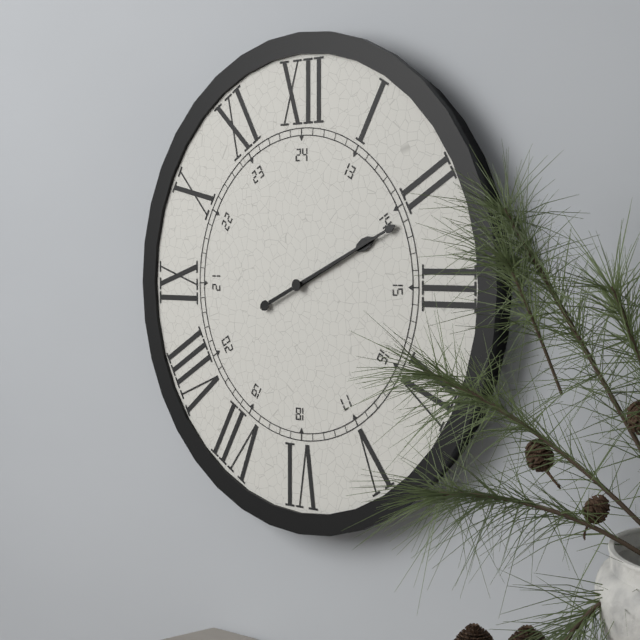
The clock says 2.11
